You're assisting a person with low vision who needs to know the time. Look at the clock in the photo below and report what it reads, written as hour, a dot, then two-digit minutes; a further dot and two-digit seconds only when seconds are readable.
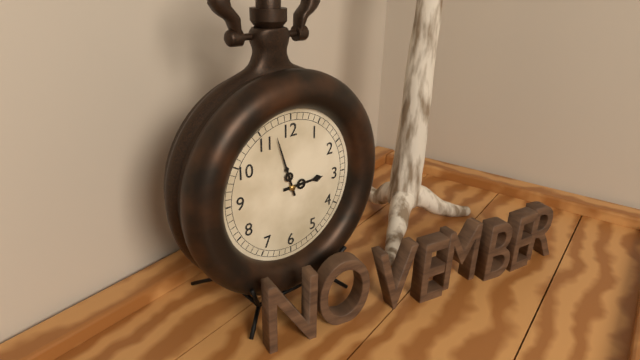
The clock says 2.57
